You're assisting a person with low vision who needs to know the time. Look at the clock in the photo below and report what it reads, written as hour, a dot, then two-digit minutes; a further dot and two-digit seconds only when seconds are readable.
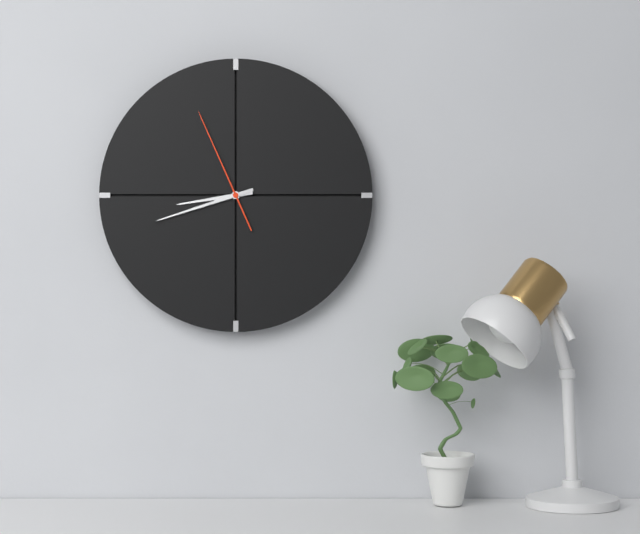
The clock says 8.42.56
